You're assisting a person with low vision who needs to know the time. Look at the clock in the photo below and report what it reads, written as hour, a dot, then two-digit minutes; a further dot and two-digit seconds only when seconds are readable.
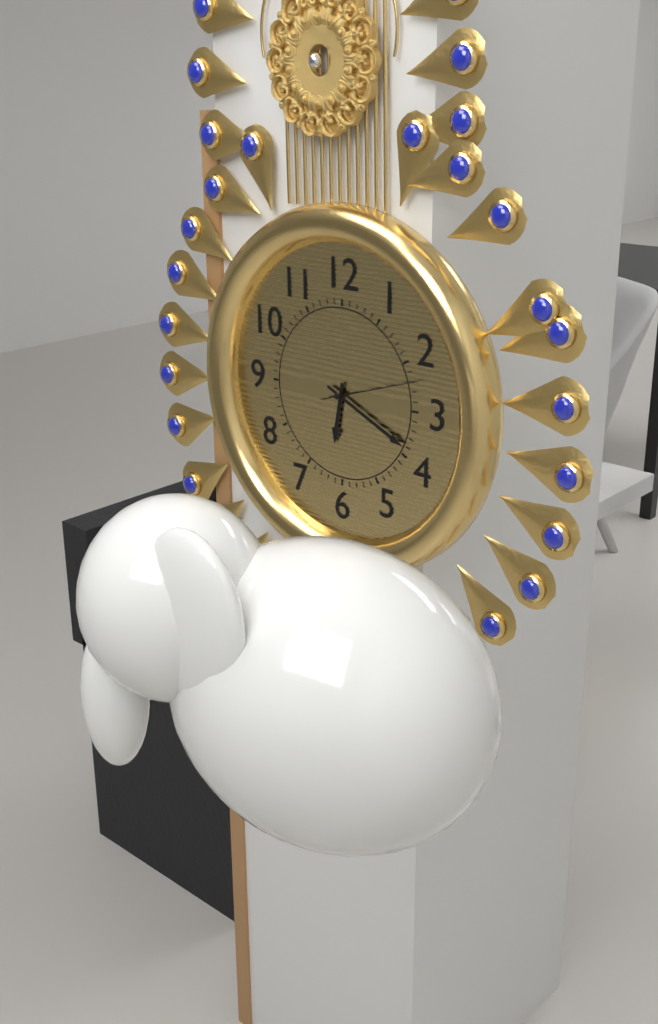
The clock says 6.19.12
